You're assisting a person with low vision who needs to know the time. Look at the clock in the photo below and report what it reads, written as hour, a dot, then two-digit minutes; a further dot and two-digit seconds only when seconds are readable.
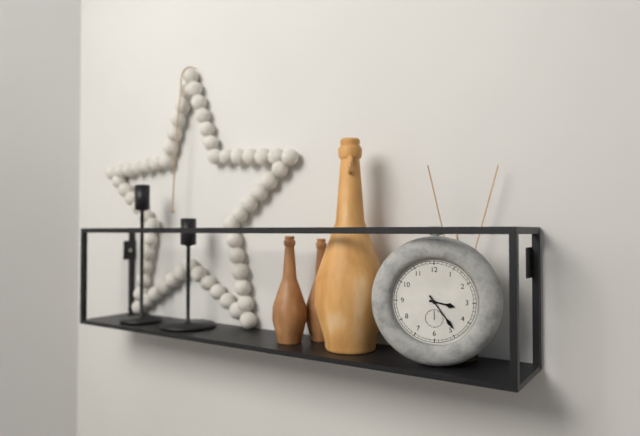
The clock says 3.24
